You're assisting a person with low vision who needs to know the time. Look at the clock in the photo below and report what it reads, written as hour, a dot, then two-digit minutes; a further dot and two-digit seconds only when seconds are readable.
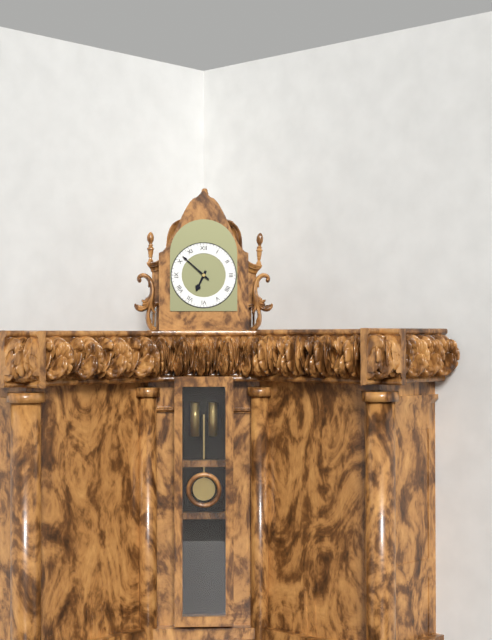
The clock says 6.52
